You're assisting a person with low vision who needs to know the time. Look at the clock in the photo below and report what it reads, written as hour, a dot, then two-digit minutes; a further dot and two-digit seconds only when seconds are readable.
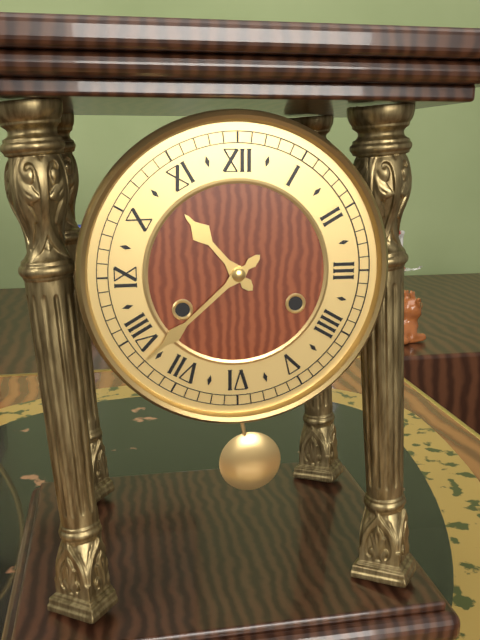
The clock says 10.38
